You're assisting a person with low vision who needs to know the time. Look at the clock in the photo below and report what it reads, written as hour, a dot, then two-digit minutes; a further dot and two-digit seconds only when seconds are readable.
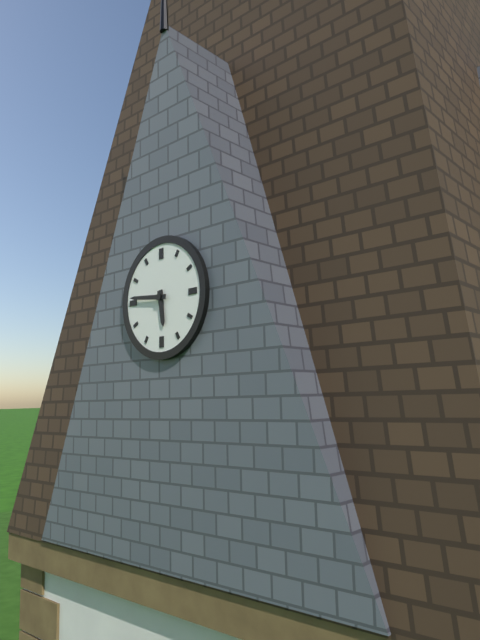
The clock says 5.46
